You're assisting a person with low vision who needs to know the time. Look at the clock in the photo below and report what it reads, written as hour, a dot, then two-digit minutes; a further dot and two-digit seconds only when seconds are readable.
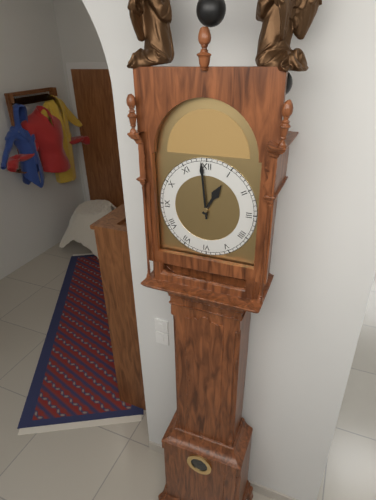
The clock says 12.59
